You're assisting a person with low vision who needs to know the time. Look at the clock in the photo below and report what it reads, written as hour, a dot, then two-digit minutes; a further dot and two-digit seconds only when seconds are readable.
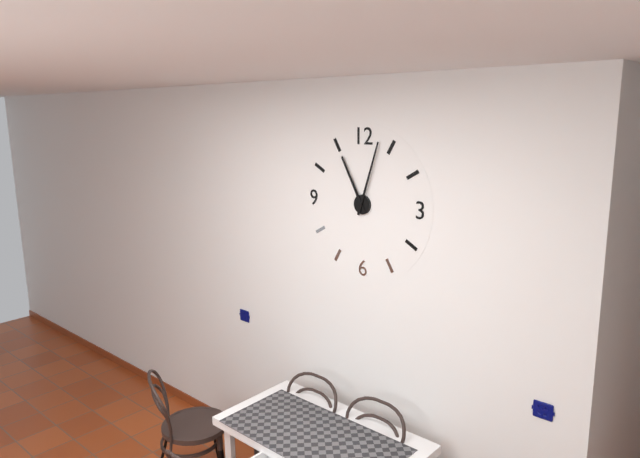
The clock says 11.03
